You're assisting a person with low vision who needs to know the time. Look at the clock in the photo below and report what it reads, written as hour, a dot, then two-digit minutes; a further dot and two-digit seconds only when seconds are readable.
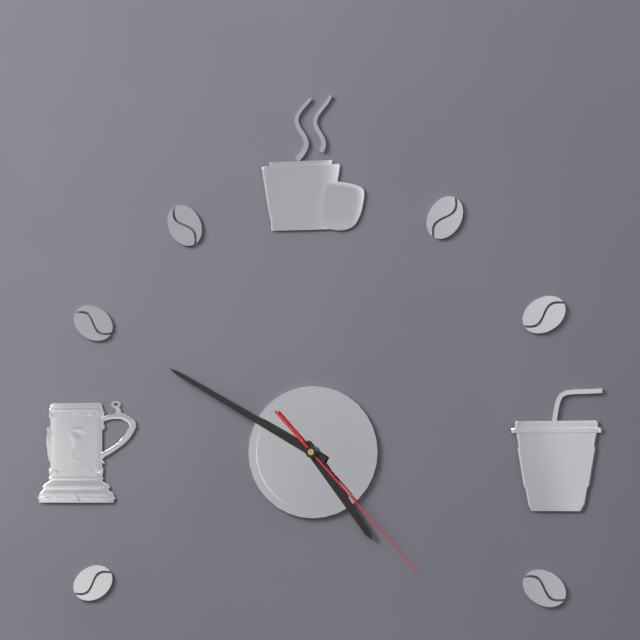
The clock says 4.50.23
